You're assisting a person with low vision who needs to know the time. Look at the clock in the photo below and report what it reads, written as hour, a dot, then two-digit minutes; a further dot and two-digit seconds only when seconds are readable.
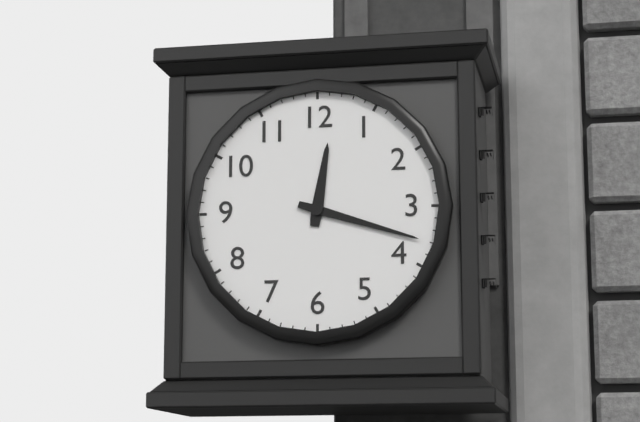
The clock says 12.18
